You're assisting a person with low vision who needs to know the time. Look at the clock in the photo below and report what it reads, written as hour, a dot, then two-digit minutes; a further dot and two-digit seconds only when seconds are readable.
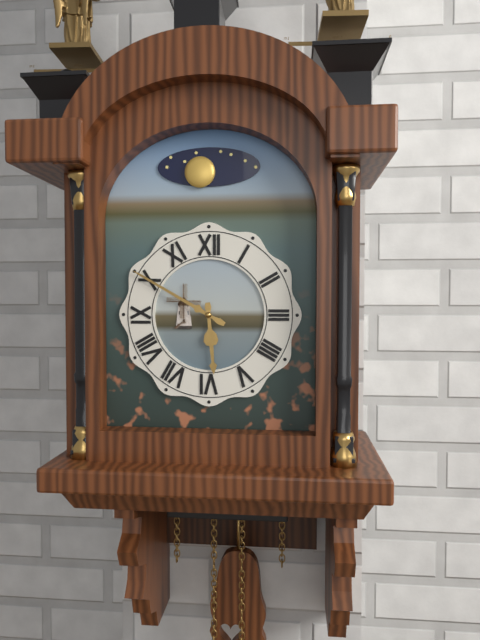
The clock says 5.50
